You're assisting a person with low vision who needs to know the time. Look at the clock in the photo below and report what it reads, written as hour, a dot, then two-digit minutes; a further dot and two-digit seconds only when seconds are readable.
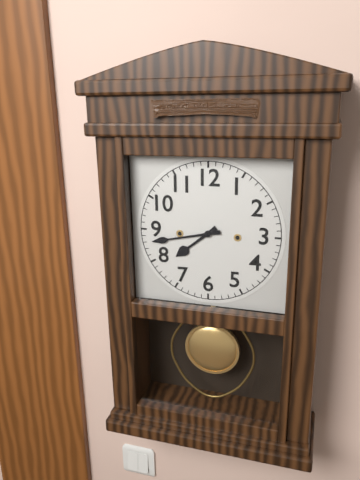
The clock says 7.43
